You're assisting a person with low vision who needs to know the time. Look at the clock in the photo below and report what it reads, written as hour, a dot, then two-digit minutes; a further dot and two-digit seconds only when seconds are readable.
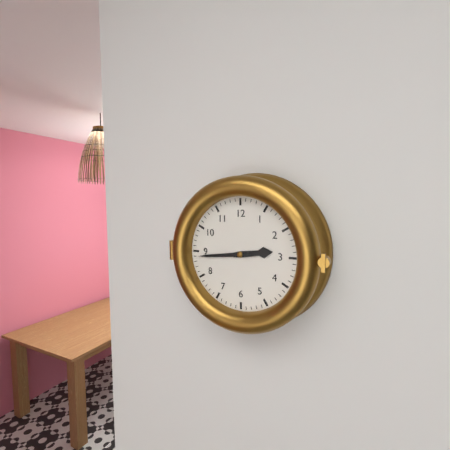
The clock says 2.44
